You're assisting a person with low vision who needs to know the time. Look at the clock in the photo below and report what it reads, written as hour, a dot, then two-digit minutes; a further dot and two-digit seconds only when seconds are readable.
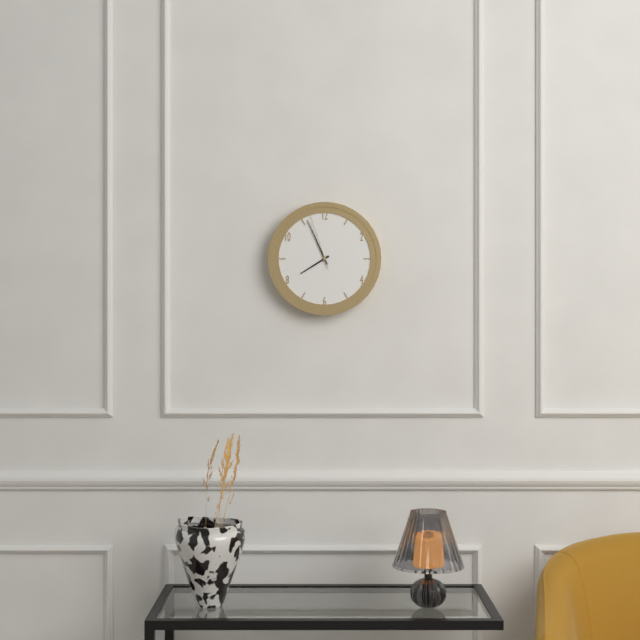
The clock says 7.56.57
